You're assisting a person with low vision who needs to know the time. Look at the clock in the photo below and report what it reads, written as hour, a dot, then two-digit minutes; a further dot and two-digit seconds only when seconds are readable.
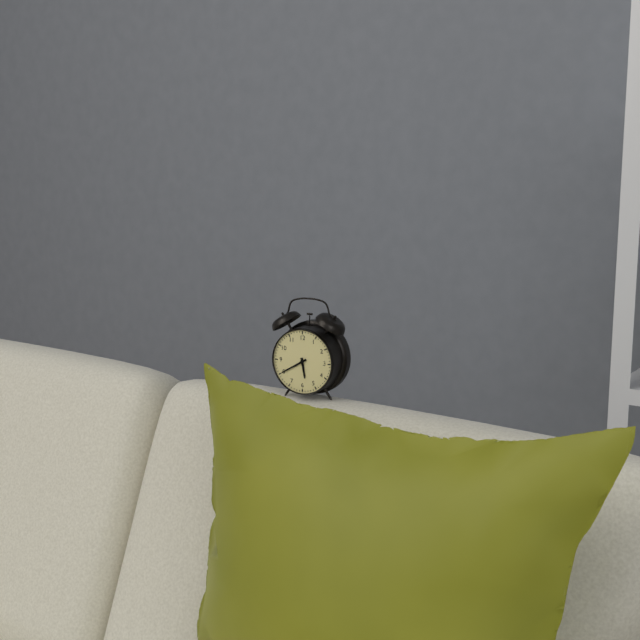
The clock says 5.40
